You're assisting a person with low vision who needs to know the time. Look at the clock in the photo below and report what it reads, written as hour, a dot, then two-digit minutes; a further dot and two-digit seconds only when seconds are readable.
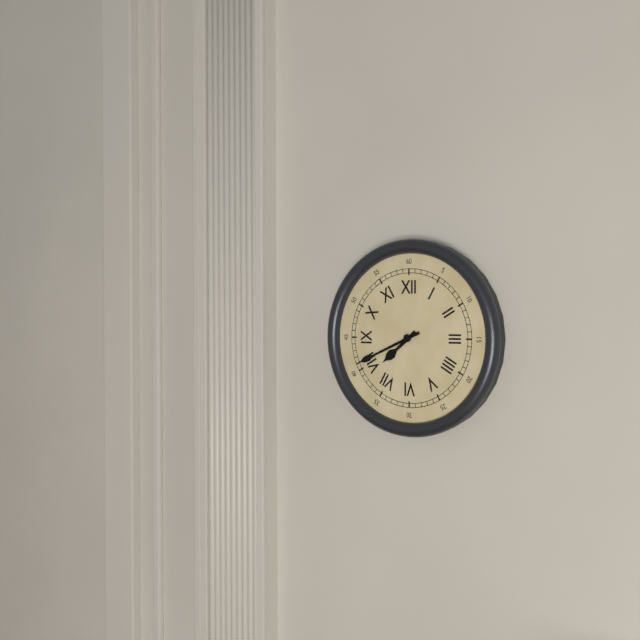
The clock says 7.41
